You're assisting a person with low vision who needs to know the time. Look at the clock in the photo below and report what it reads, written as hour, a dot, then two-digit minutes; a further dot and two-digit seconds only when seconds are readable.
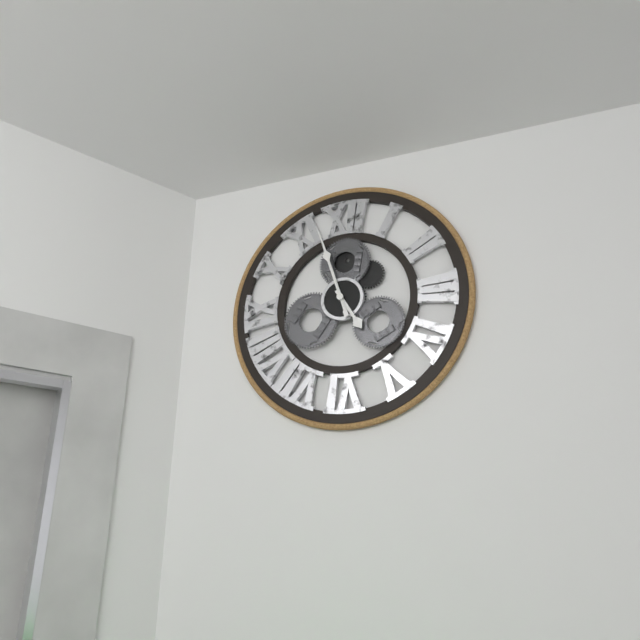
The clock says 4.57.57
